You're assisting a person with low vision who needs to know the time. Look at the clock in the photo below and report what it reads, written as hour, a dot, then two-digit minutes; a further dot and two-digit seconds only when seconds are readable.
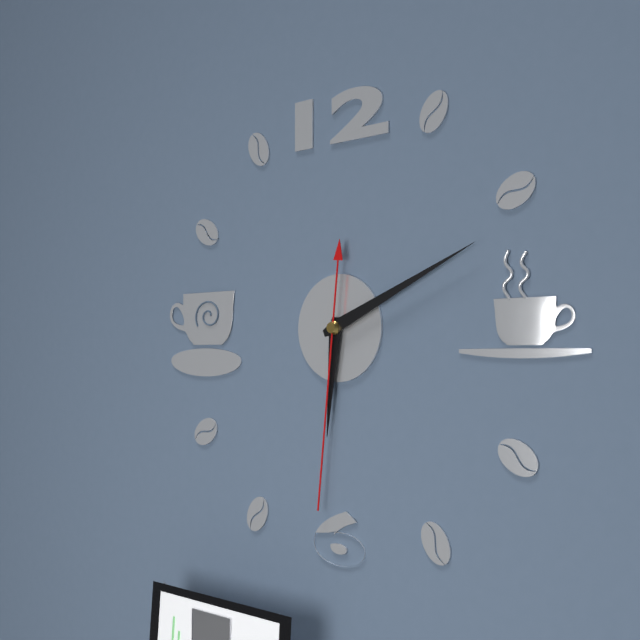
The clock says 6.11.31
